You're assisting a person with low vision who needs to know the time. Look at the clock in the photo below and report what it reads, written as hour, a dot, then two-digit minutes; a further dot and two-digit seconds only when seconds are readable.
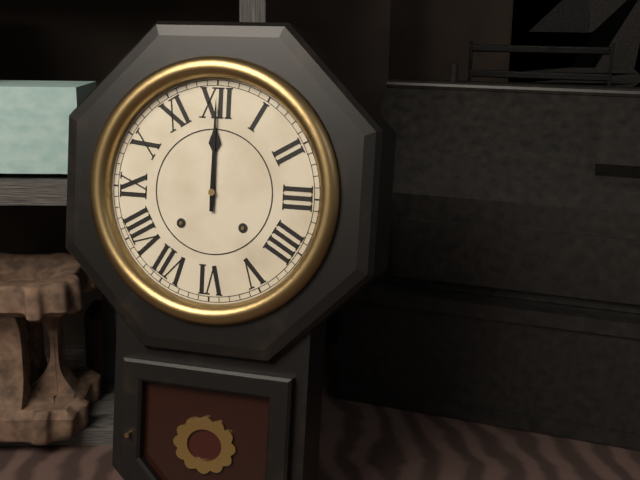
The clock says 12.00
